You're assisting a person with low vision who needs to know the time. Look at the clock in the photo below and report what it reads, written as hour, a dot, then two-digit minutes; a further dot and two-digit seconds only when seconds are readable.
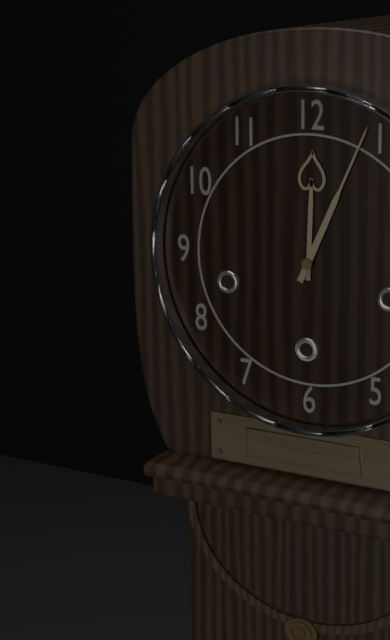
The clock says 12.04
